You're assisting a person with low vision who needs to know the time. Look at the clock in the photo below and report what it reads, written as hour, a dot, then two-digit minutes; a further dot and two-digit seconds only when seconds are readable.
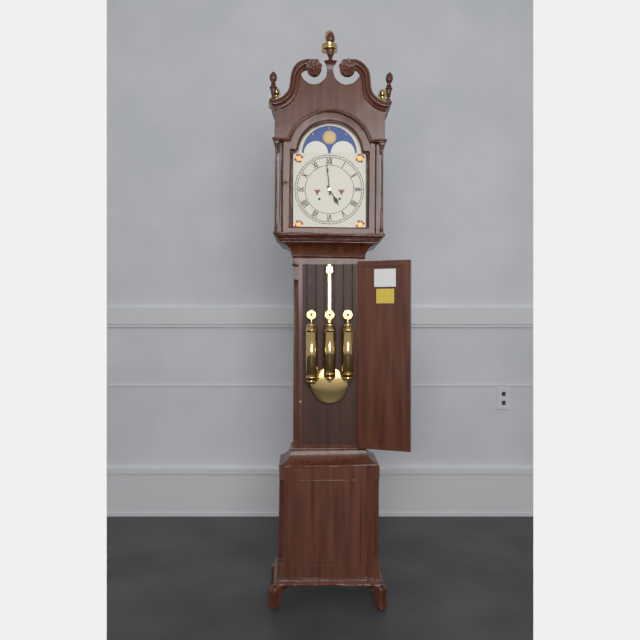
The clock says 4.59
